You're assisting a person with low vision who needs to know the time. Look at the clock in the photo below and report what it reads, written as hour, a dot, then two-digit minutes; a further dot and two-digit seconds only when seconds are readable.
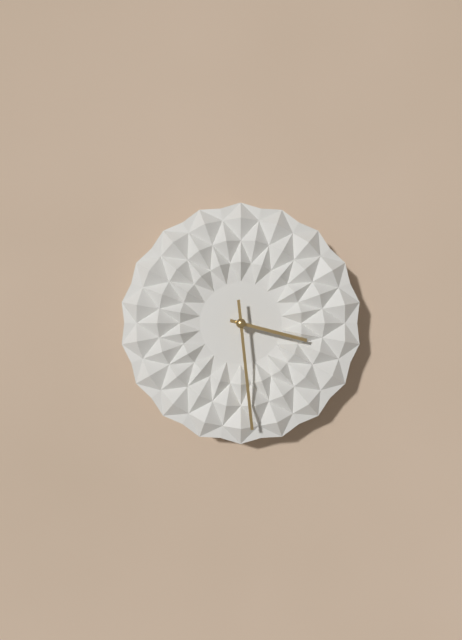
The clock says 3.29
